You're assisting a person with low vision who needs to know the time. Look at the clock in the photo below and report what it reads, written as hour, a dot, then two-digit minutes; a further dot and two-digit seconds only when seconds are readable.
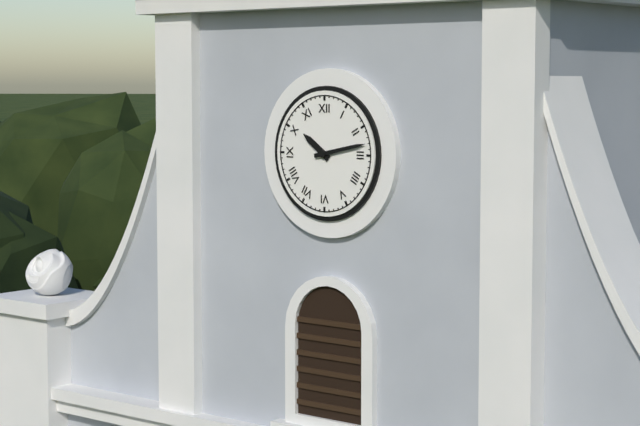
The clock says 10.13
